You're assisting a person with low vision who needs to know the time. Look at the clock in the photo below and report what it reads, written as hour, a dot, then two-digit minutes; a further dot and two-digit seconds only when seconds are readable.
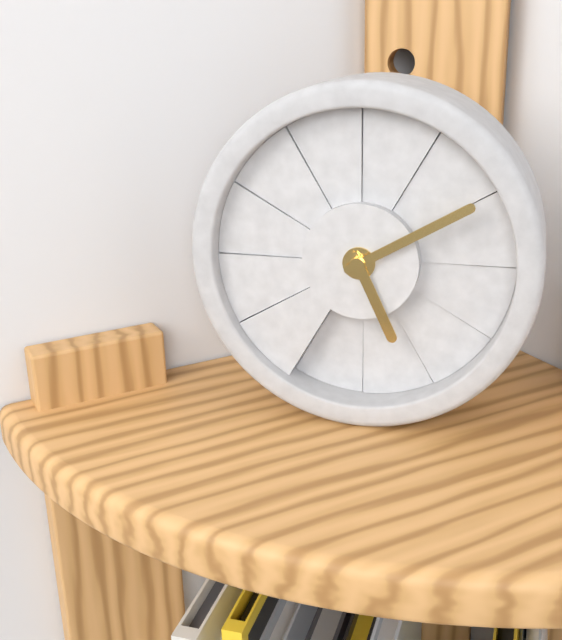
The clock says 5.10
